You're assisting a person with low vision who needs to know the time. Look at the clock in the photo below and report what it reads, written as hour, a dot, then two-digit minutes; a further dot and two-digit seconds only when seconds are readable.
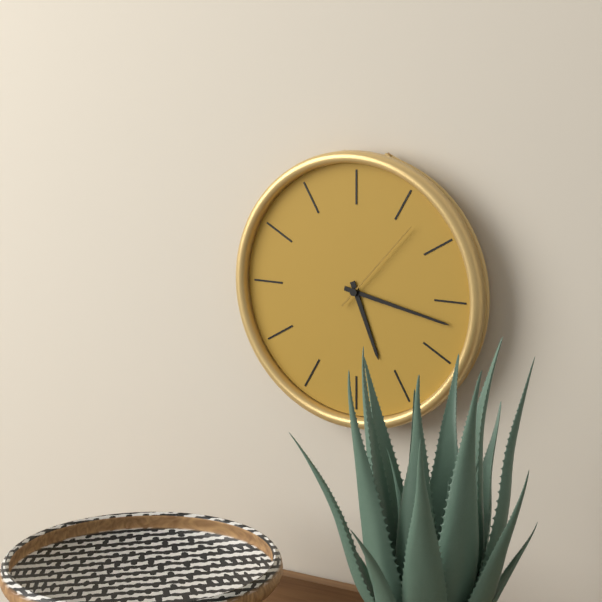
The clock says 5.17.07
